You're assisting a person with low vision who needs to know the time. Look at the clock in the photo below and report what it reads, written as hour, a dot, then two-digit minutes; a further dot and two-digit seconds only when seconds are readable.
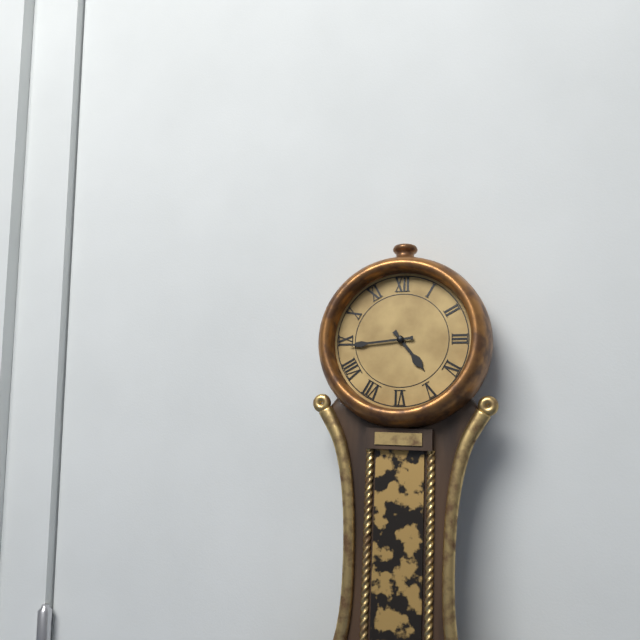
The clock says 4.44
